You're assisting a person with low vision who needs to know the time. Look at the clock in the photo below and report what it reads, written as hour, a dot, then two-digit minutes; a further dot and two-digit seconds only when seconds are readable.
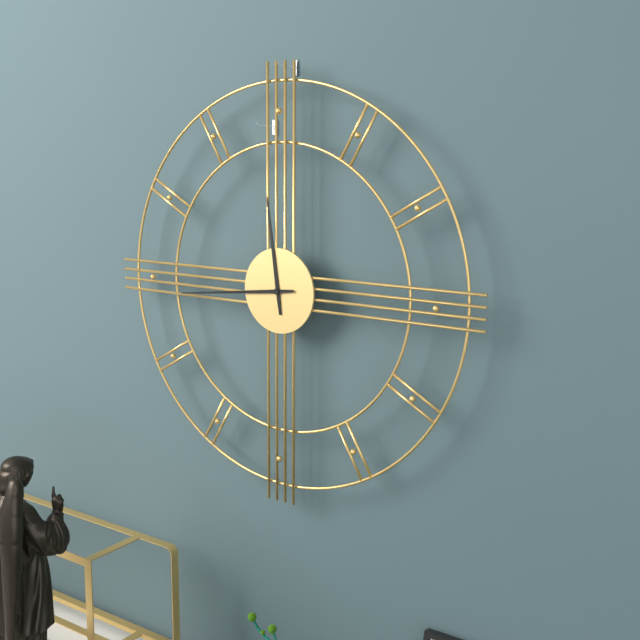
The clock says 11.44
